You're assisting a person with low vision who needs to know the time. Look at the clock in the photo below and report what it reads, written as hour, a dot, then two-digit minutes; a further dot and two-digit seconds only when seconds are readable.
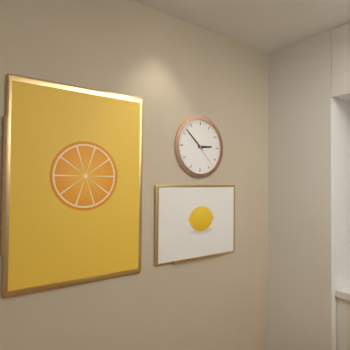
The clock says 2.52
